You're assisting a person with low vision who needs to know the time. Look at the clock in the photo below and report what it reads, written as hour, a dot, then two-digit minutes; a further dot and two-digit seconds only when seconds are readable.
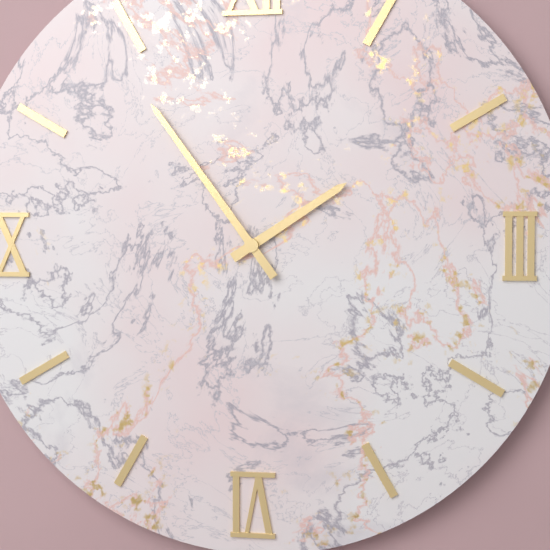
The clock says 1.54
